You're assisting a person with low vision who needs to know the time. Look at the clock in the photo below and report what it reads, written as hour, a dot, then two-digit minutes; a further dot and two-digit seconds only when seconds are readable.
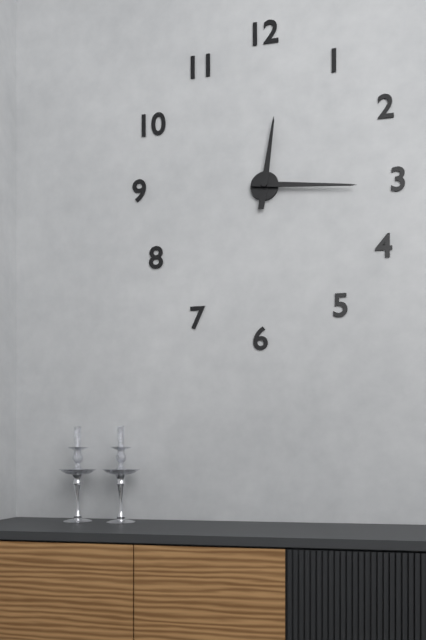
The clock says 12.16
